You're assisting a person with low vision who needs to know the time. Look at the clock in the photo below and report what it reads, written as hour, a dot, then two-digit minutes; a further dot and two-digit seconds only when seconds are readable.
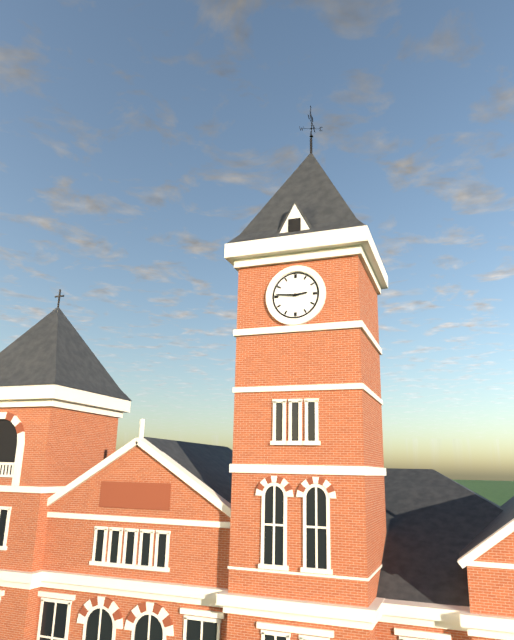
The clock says 2.46
